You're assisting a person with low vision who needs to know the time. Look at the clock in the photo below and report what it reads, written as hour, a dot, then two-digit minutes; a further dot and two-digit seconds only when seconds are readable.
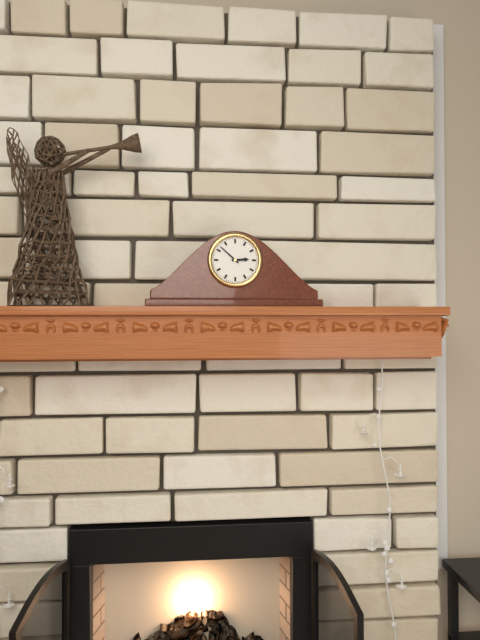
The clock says 2.52
